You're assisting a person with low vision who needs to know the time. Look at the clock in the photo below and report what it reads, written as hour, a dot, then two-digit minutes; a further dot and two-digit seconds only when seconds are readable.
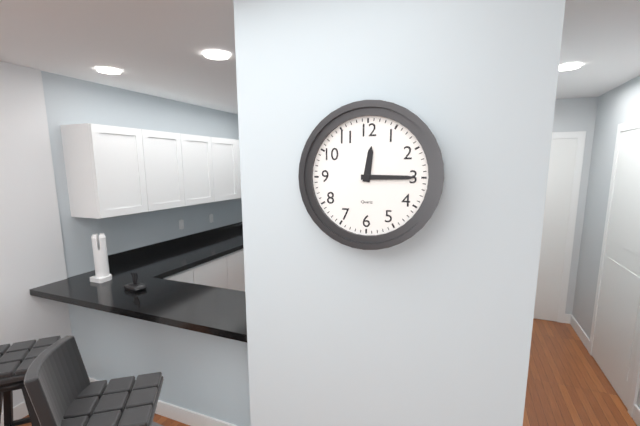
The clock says 12.15
